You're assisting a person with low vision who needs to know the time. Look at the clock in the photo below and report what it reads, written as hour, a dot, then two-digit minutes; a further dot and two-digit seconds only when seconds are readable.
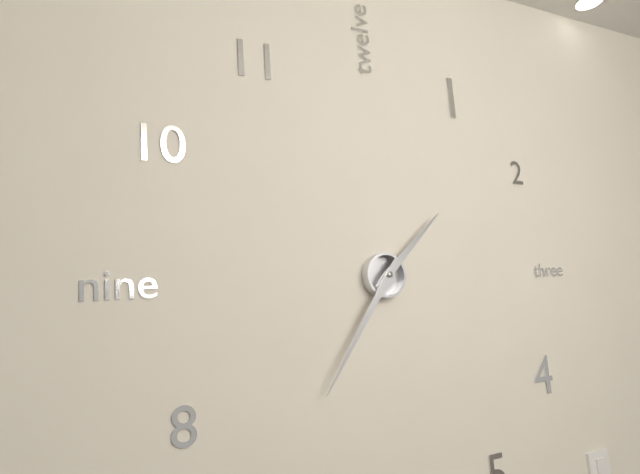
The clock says 1.36
